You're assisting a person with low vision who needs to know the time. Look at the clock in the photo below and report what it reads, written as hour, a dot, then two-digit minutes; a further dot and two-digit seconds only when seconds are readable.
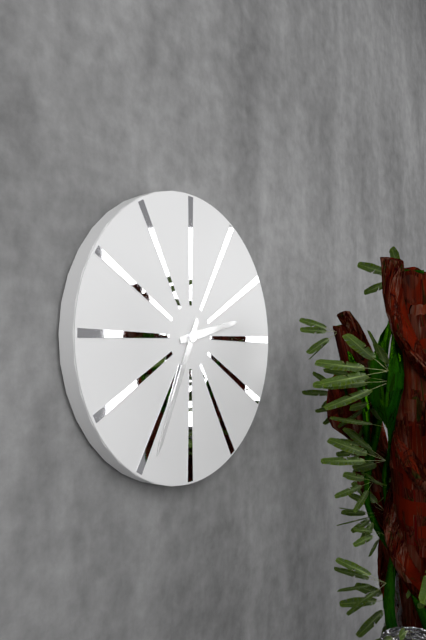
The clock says 2.34
